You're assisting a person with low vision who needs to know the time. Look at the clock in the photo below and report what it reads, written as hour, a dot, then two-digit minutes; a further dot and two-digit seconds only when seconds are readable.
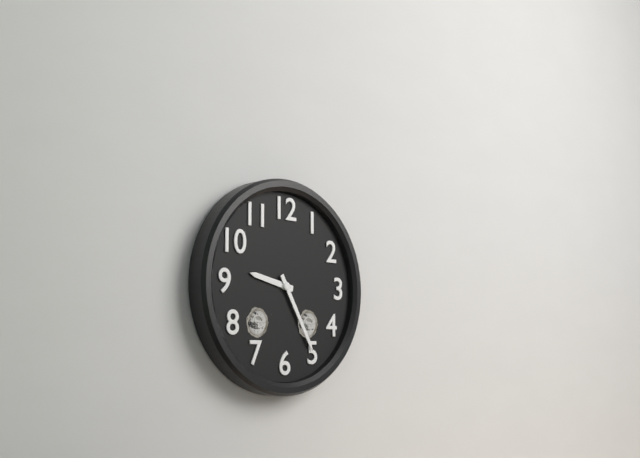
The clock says 9.25
